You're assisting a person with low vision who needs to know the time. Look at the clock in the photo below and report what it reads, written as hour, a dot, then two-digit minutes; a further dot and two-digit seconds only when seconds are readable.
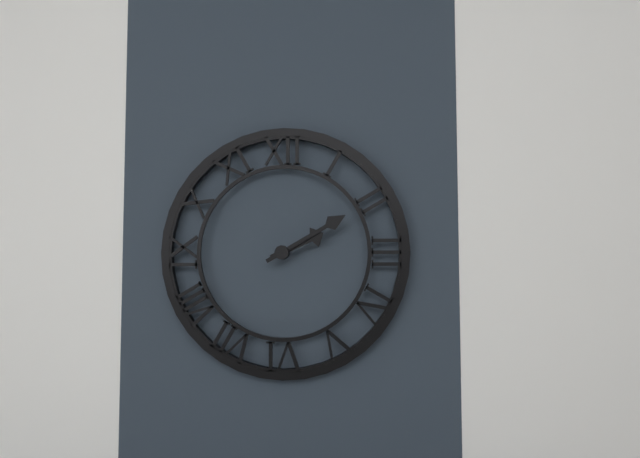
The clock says 2.10
